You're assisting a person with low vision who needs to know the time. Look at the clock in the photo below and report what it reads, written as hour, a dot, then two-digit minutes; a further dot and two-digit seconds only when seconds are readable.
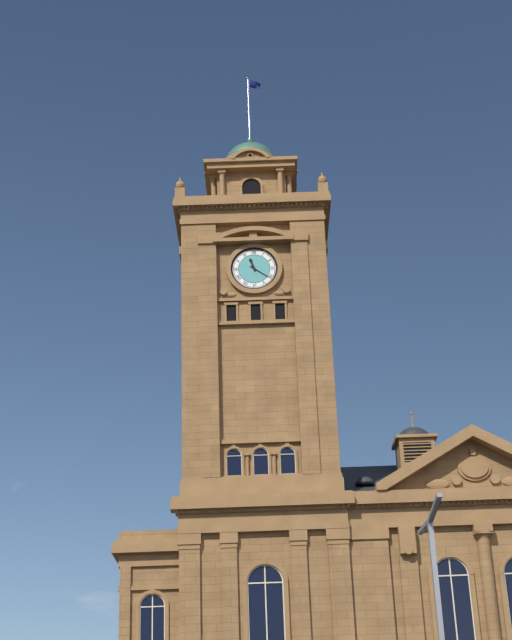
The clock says 11.21
